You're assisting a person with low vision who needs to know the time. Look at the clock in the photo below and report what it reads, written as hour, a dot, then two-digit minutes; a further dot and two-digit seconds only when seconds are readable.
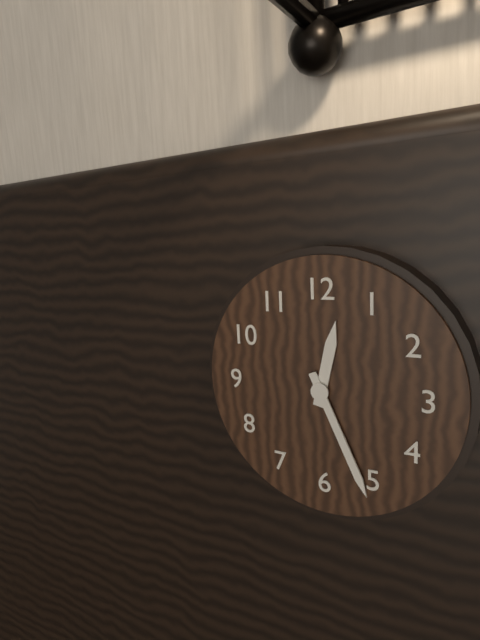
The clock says 12.26
